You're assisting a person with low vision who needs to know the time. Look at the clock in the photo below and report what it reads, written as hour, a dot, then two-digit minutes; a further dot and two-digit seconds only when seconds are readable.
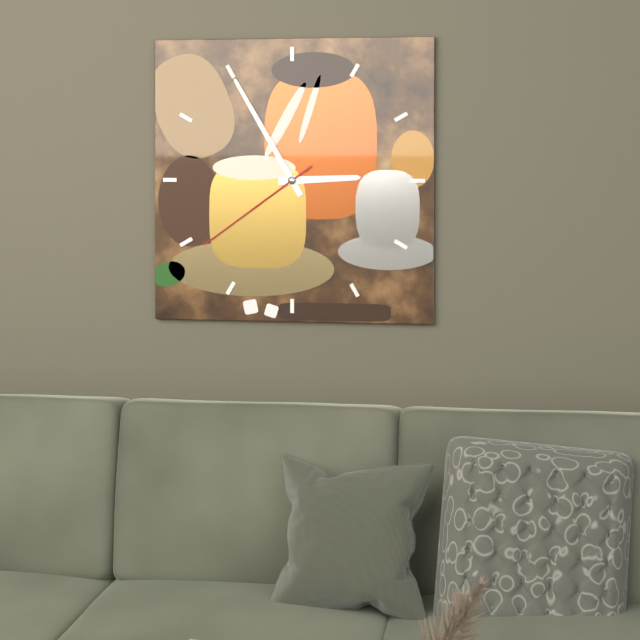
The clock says 2.55.39
